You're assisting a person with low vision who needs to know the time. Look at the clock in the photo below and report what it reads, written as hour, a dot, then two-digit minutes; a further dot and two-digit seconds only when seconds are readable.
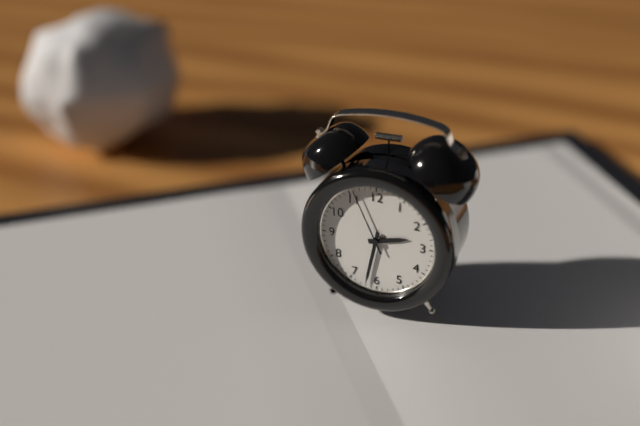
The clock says 2.32.56
